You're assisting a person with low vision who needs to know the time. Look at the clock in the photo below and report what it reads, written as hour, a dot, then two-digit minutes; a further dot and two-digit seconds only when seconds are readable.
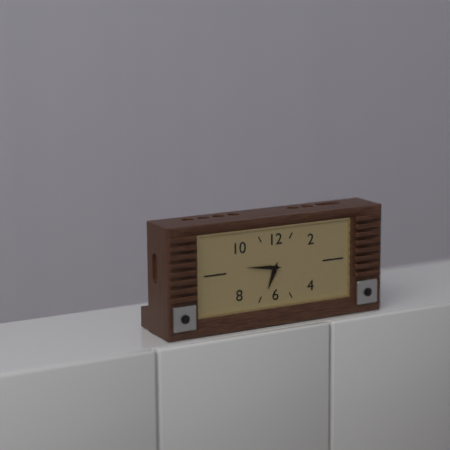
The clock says 6.46
